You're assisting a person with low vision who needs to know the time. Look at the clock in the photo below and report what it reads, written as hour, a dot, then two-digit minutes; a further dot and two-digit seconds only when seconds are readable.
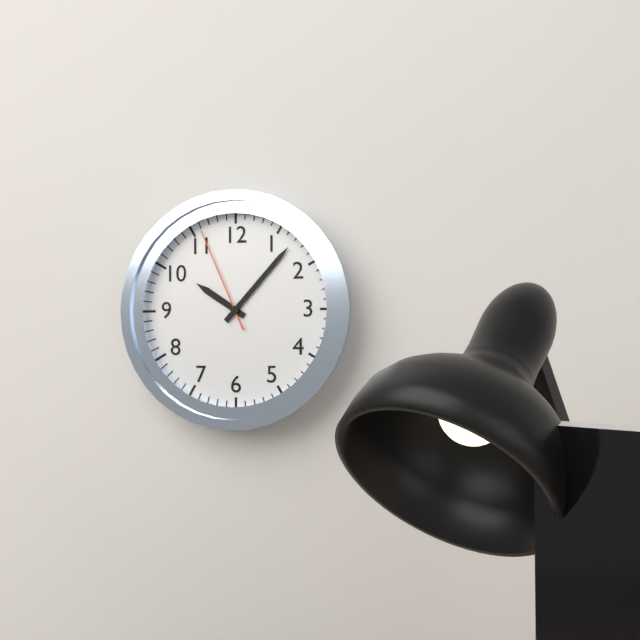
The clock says 10.07.56
